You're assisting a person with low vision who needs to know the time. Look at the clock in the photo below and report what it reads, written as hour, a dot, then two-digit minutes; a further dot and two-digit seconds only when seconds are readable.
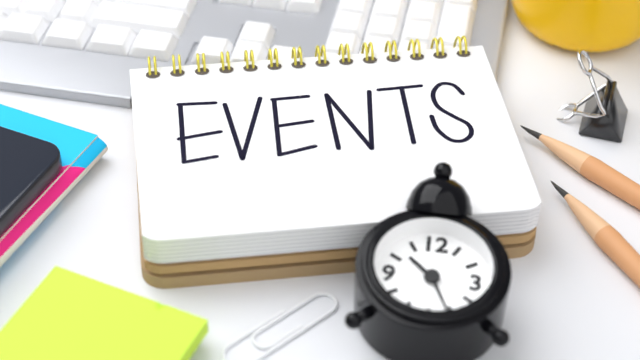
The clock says 10.26
